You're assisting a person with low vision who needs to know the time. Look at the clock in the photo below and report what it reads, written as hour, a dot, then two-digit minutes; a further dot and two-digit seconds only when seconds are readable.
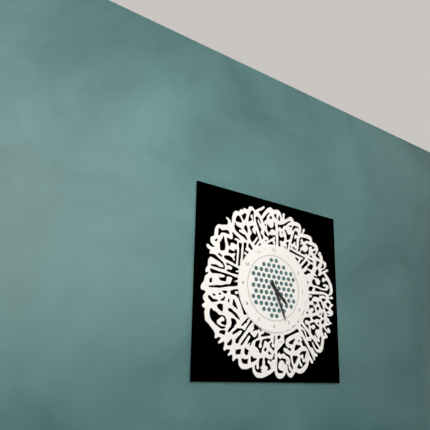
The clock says 4.26
